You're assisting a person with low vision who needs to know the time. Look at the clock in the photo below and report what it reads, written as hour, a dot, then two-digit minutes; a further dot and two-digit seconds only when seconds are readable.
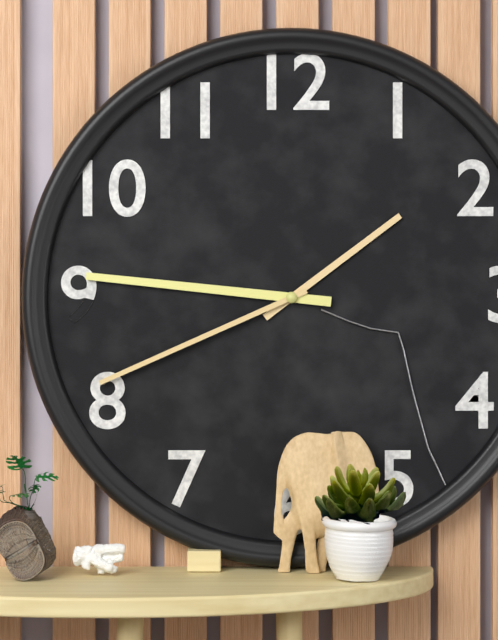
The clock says 1.46.41
